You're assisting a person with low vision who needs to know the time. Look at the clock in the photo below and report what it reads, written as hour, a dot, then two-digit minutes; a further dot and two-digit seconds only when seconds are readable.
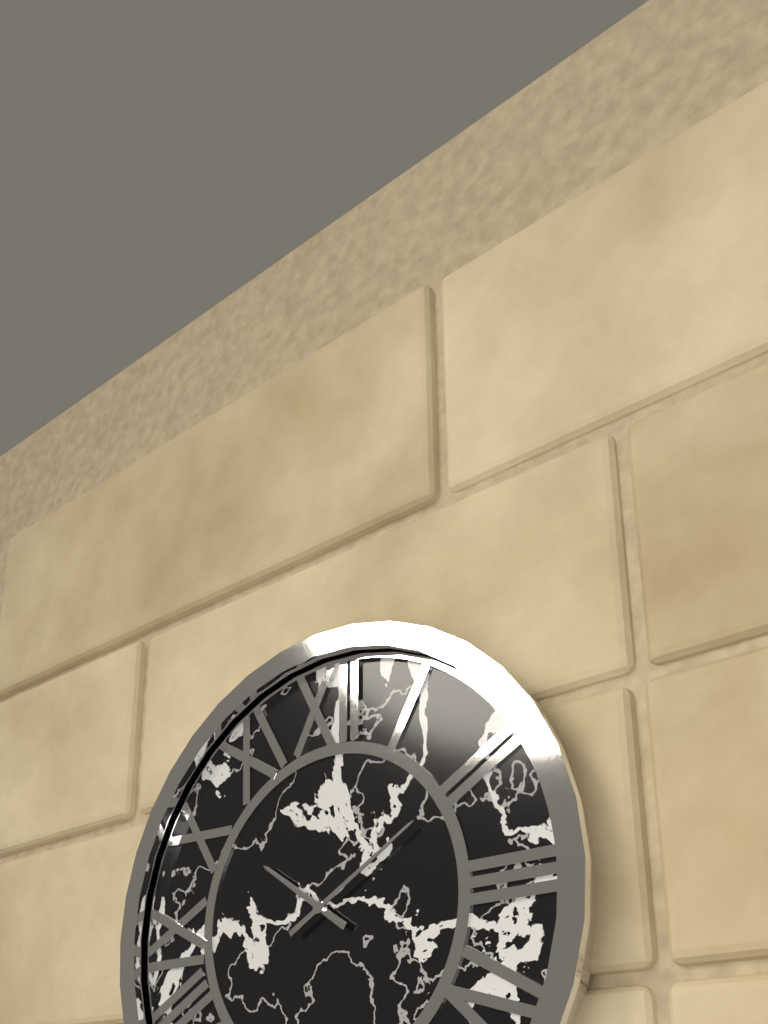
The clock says 10.10
